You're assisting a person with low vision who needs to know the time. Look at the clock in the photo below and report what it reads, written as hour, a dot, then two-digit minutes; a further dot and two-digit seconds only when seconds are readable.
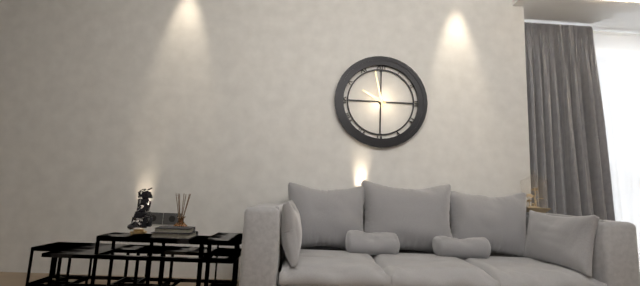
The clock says 9.58
